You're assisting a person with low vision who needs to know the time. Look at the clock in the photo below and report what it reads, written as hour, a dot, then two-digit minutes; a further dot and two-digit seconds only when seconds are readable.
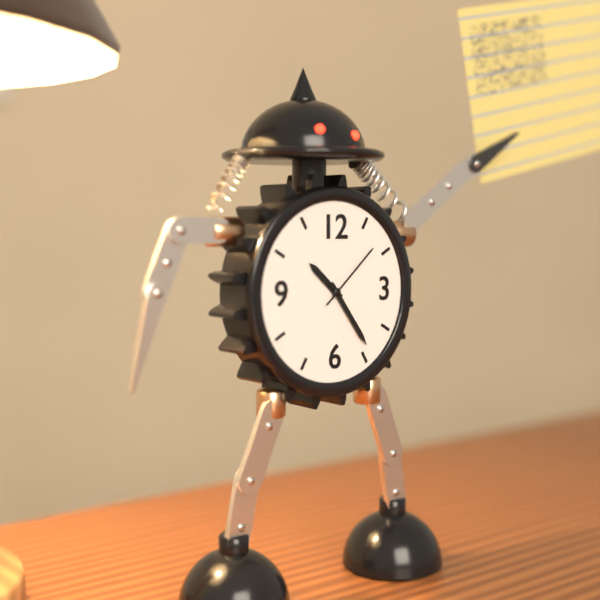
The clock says 10.24.08
